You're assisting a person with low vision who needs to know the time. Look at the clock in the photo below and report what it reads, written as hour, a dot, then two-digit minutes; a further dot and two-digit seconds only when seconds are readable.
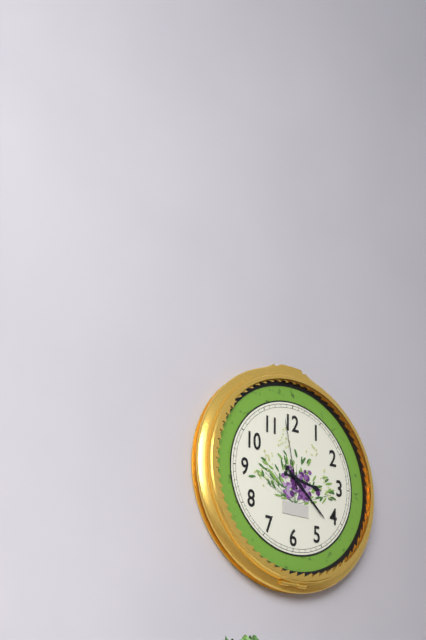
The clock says 3.22.58
